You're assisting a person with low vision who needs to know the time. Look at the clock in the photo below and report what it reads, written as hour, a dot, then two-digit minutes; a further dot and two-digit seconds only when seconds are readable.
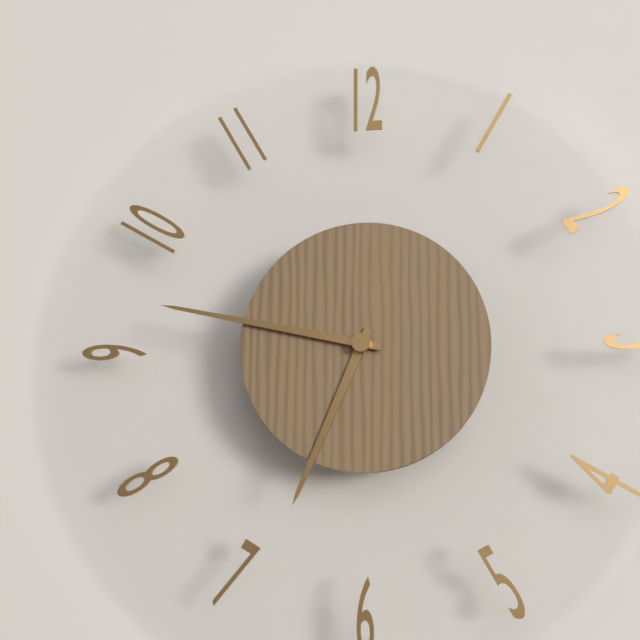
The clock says 6.47
